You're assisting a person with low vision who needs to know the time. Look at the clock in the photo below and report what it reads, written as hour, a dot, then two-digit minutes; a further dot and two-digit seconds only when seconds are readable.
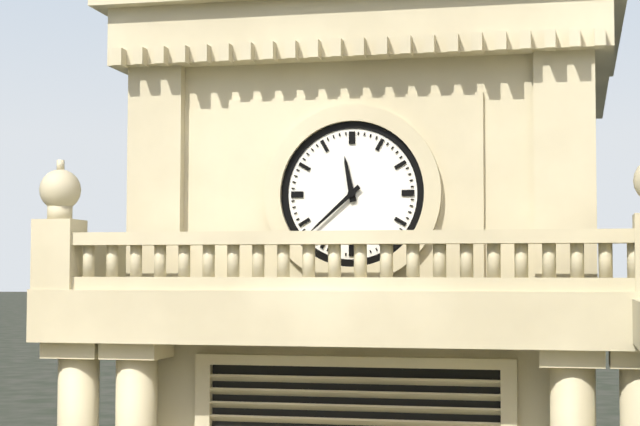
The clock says 11.38
